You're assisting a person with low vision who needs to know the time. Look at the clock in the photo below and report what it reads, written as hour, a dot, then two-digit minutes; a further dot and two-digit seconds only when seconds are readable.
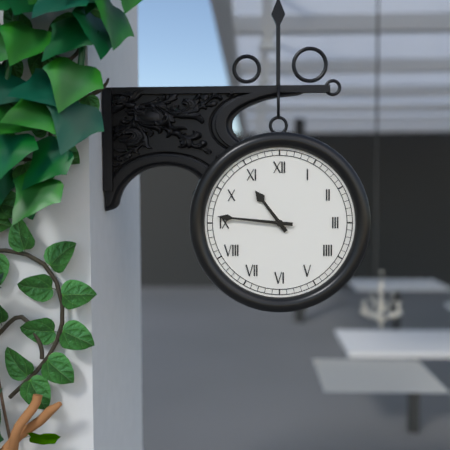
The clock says 10.46
